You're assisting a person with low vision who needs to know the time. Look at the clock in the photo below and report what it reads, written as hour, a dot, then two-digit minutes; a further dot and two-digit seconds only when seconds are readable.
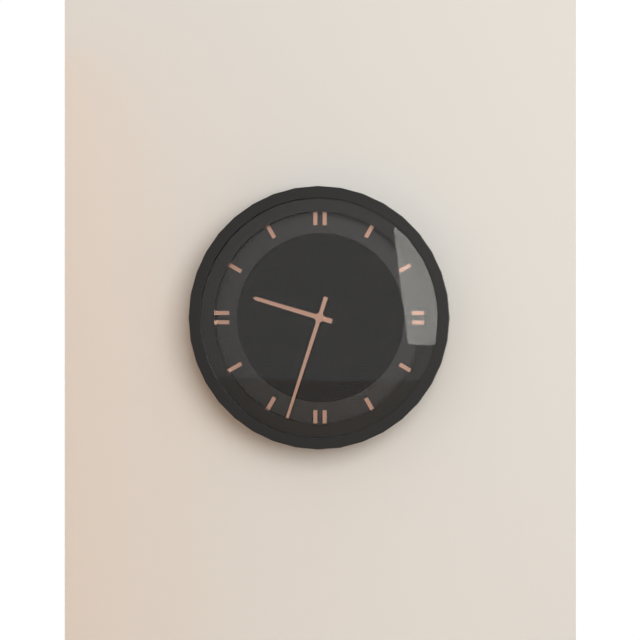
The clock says 9.33
